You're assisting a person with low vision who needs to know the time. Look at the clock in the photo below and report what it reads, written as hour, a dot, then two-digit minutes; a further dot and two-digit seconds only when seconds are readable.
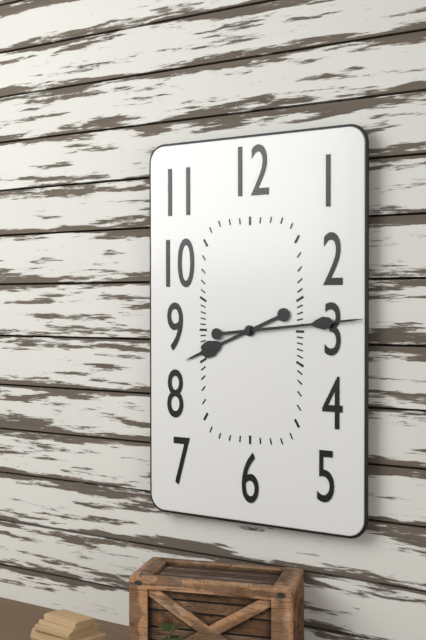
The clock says 8.14
